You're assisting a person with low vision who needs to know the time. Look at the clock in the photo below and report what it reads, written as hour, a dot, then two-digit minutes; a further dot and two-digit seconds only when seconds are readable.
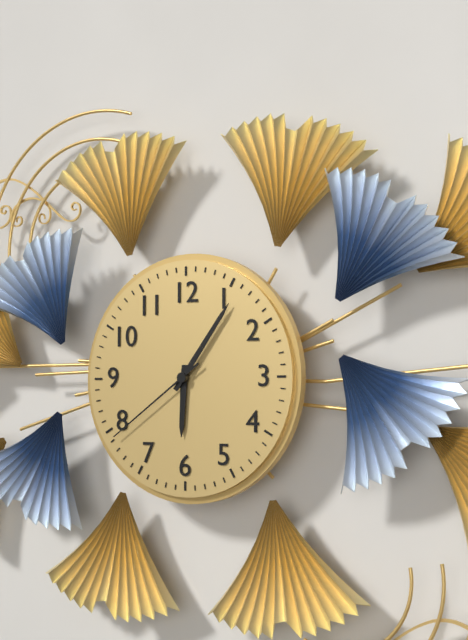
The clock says 6.06.39
